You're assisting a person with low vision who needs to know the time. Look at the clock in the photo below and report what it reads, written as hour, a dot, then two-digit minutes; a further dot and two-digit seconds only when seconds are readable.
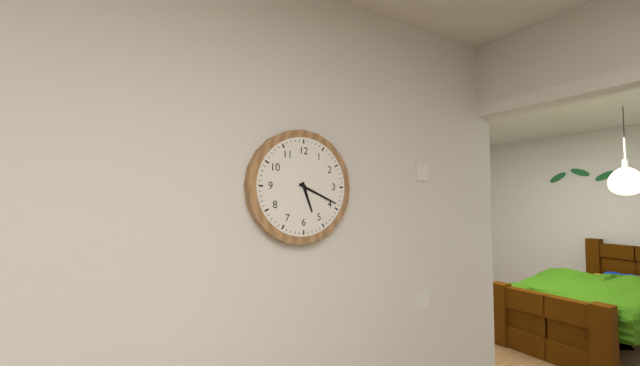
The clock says 5.19
